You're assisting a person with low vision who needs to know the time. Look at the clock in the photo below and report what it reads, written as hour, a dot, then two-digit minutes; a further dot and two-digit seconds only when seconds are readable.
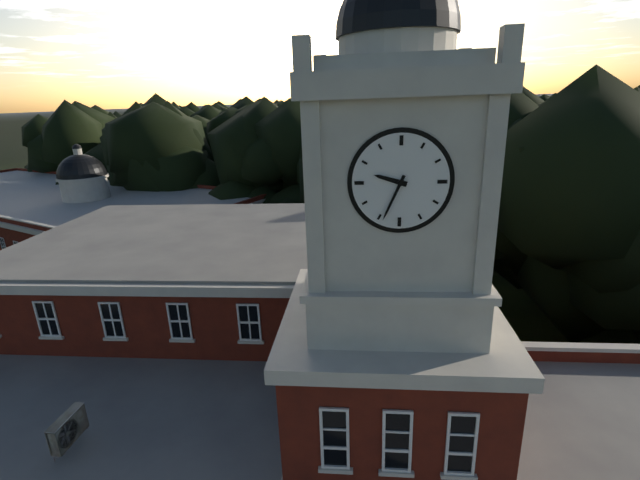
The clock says 9.34
